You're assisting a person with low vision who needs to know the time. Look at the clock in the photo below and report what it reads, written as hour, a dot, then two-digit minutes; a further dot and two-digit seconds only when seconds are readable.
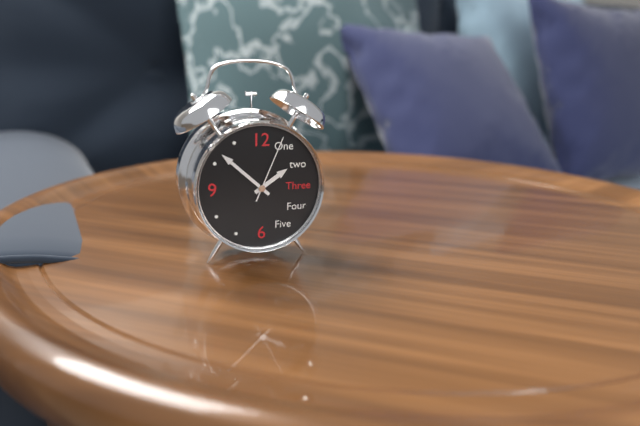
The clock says 1.52.04
